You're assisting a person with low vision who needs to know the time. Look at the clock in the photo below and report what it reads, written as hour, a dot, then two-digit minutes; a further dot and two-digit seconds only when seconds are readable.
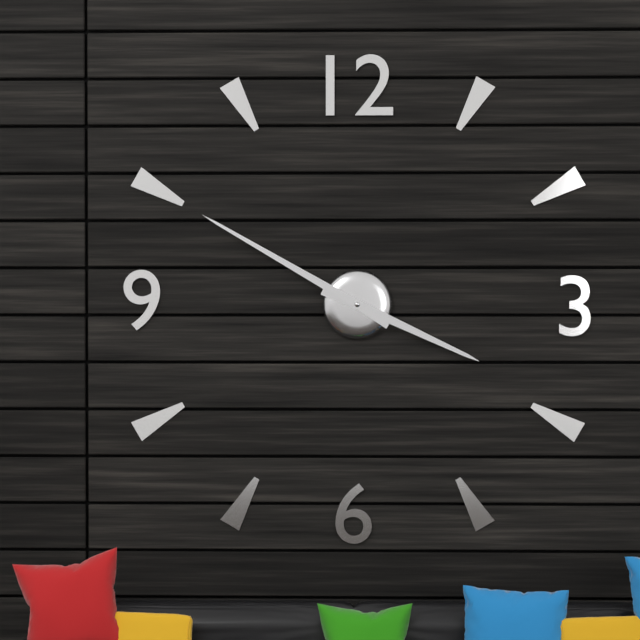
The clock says 3.50
